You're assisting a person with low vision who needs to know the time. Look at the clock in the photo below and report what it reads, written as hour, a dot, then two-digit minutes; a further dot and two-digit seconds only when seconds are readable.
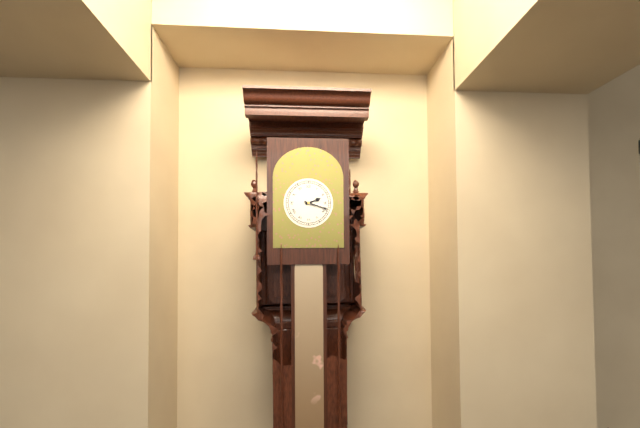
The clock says 2.18
